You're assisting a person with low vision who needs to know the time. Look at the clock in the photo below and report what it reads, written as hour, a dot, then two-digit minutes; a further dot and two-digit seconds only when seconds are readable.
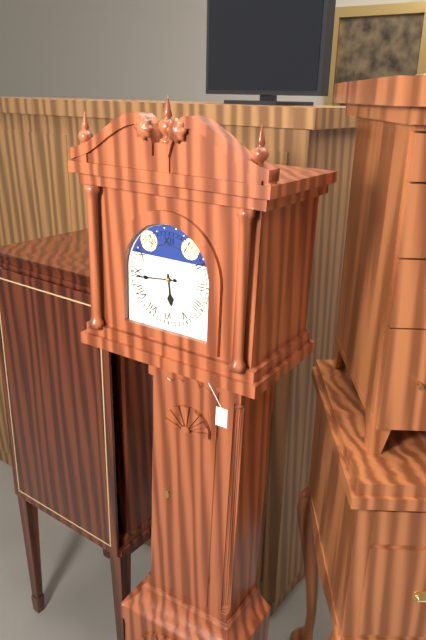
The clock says 5.44
